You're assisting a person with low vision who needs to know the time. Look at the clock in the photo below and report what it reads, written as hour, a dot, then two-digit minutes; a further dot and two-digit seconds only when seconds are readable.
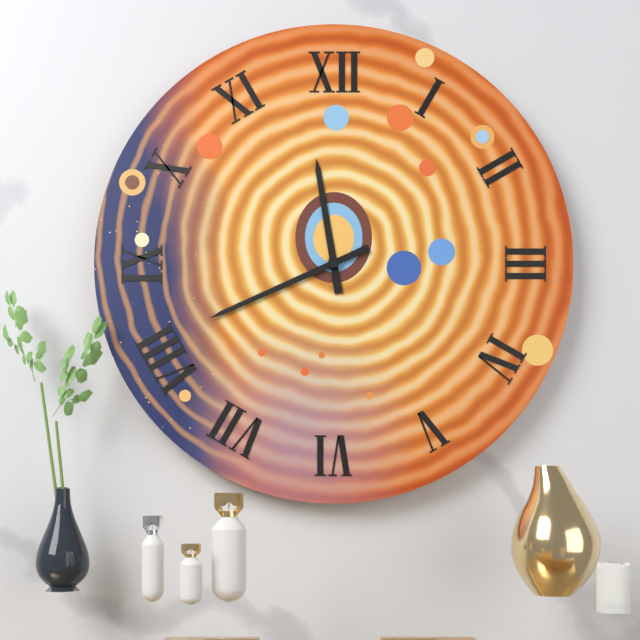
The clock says 11.41
